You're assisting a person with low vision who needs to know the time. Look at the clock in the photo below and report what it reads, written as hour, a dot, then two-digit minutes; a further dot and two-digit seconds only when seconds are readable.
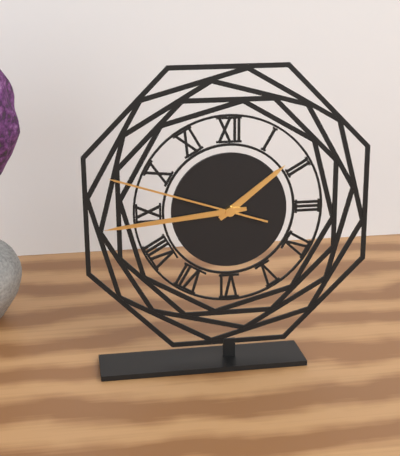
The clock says 1.44.48
